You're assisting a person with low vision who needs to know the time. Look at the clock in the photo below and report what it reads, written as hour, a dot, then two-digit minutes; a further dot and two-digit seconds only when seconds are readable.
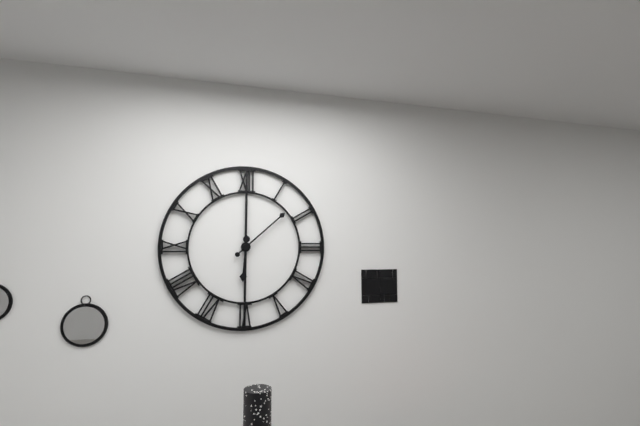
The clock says 6.08
